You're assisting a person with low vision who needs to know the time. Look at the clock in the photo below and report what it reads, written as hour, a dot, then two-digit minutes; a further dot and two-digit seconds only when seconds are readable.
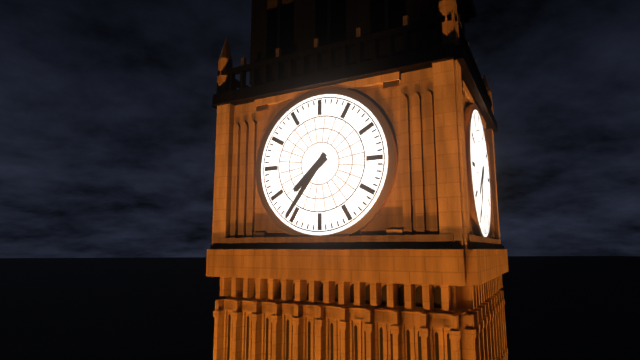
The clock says 7.36
